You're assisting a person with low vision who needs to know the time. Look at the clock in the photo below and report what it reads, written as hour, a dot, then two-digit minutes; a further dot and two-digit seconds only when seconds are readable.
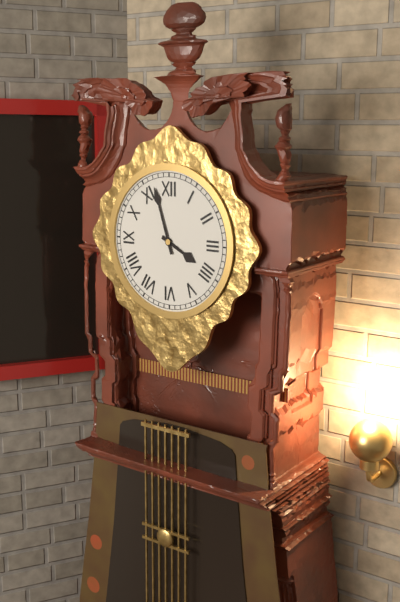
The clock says 3.57
